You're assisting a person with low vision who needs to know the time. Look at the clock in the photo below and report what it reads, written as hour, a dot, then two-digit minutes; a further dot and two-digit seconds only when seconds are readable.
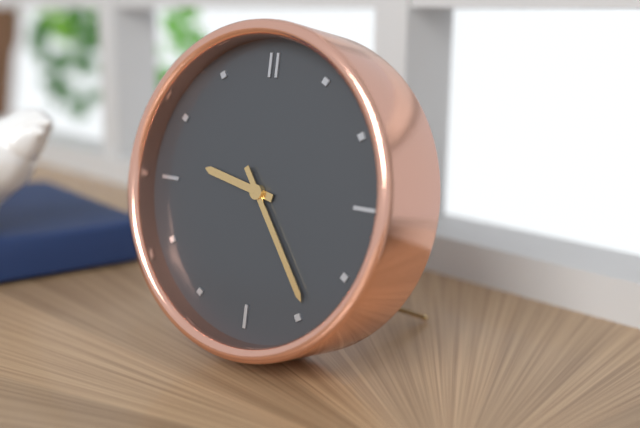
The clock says 9.24
